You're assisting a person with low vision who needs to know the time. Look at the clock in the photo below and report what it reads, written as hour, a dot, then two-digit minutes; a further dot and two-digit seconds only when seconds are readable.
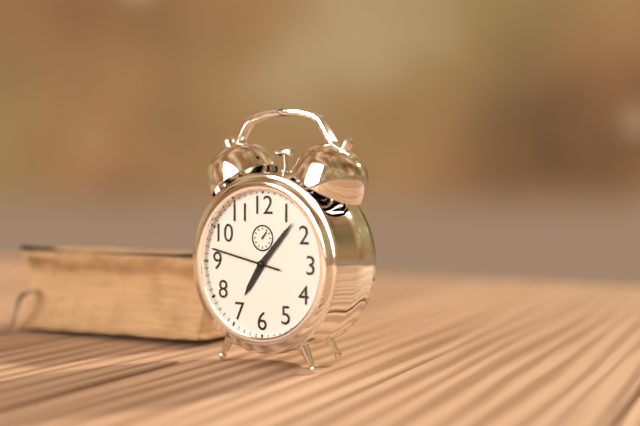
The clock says 7.07.47
